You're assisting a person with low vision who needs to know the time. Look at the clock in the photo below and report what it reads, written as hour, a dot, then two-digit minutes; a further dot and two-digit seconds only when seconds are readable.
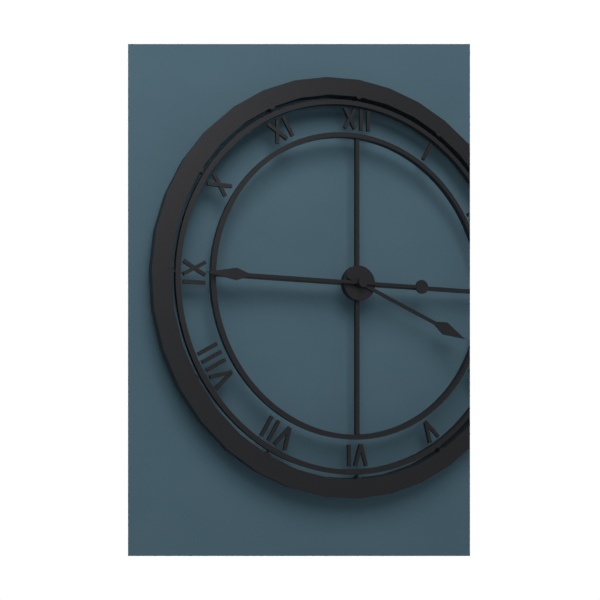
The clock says 3.45
